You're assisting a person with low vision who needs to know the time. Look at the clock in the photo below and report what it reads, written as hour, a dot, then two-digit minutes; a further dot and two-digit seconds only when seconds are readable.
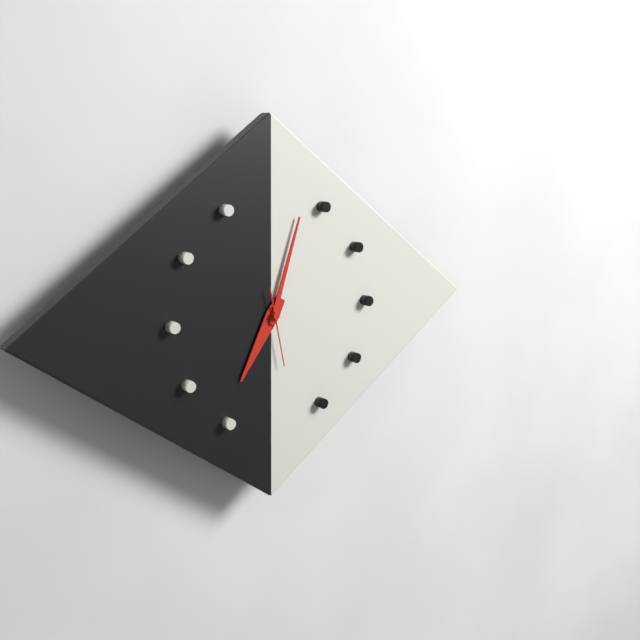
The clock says 7.03.28
